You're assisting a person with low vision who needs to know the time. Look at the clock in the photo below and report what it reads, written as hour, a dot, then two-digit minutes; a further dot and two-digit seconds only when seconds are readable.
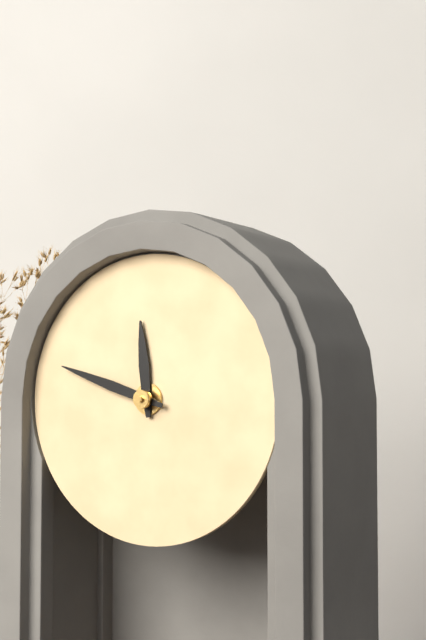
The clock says 11.48
